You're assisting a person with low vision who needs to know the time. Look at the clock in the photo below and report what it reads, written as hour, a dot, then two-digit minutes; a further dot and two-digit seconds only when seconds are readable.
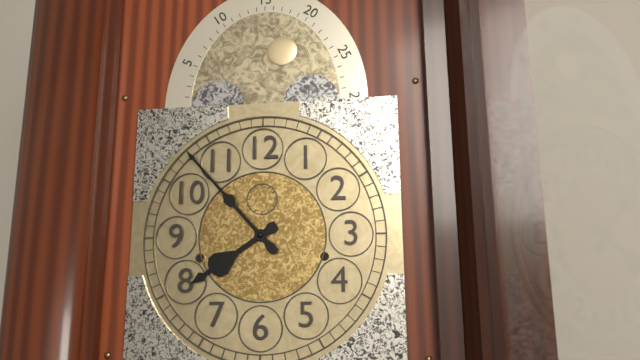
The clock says 7.53
